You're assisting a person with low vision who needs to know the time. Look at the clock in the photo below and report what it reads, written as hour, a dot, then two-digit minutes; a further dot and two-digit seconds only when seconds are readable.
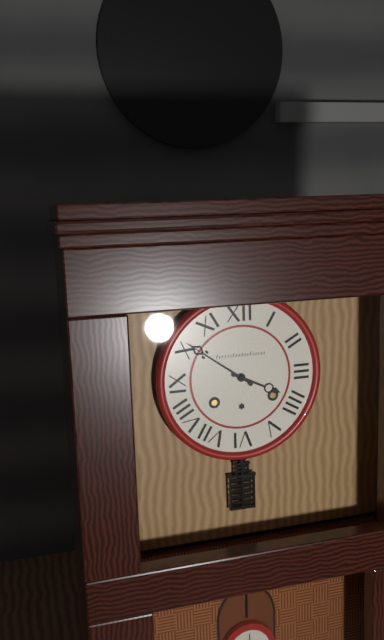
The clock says 3.51
